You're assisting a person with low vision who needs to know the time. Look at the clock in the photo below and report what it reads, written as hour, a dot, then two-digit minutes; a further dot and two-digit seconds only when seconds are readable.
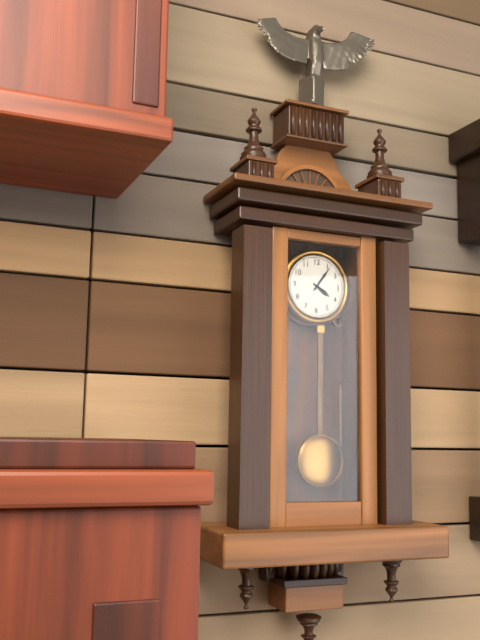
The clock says 4.06
